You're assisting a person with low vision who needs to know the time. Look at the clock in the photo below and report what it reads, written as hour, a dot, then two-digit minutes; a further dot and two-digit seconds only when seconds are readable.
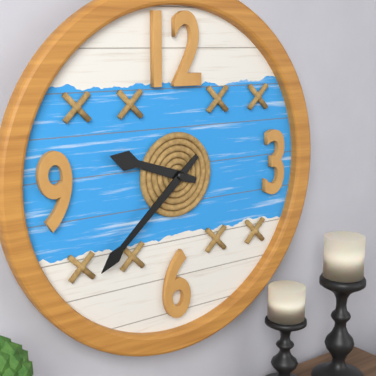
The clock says 9.38
